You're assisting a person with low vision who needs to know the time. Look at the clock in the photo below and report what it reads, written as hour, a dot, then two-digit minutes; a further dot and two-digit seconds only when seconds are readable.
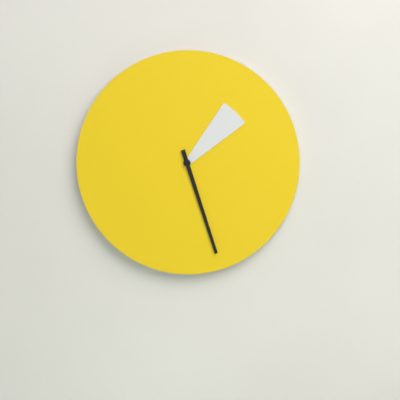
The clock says 1.27
